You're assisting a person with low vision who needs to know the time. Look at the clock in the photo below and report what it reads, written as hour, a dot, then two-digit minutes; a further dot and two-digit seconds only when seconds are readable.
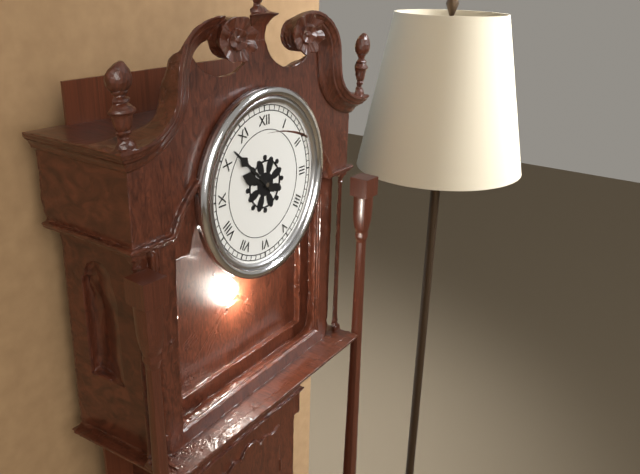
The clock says 9.52
